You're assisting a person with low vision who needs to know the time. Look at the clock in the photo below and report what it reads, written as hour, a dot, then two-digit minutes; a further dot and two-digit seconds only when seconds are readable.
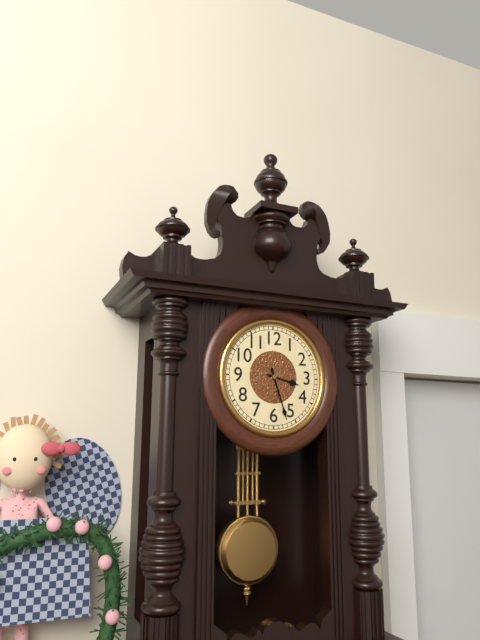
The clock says 3.27
